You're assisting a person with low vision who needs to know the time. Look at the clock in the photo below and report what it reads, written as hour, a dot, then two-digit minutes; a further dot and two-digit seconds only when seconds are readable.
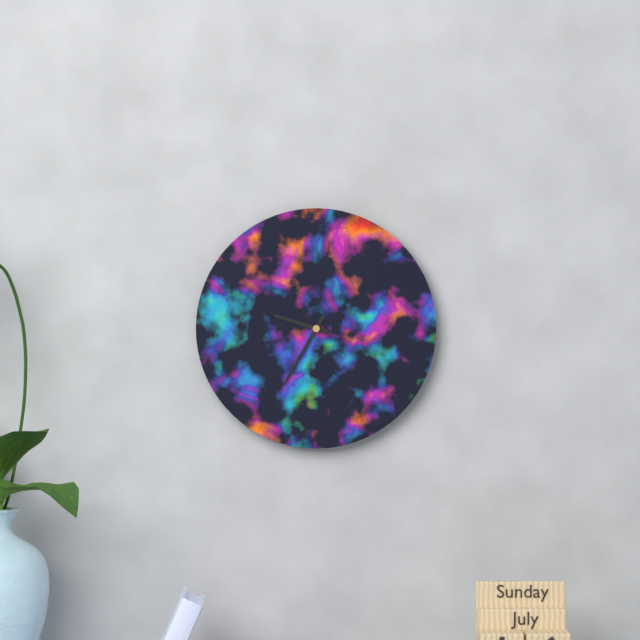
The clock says 9.35
